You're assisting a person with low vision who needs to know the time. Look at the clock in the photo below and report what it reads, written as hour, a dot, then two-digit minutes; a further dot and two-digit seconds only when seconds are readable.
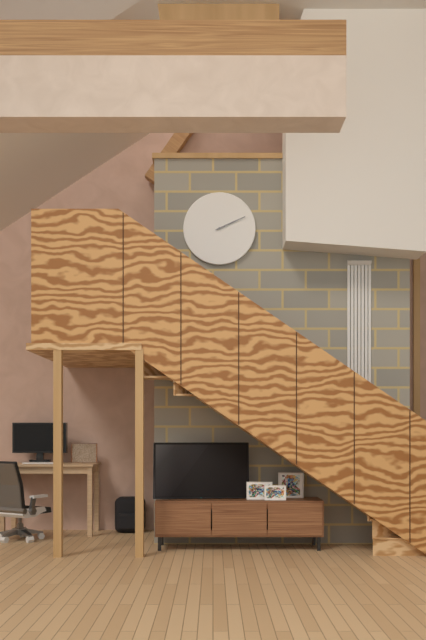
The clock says 2.11
